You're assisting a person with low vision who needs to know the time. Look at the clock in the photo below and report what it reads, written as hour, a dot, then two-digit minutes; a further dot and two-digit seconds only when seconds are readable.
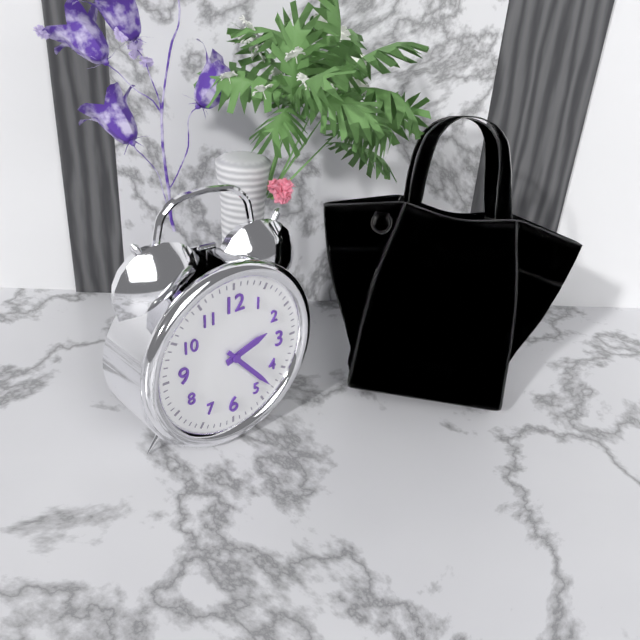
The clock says 2.23
